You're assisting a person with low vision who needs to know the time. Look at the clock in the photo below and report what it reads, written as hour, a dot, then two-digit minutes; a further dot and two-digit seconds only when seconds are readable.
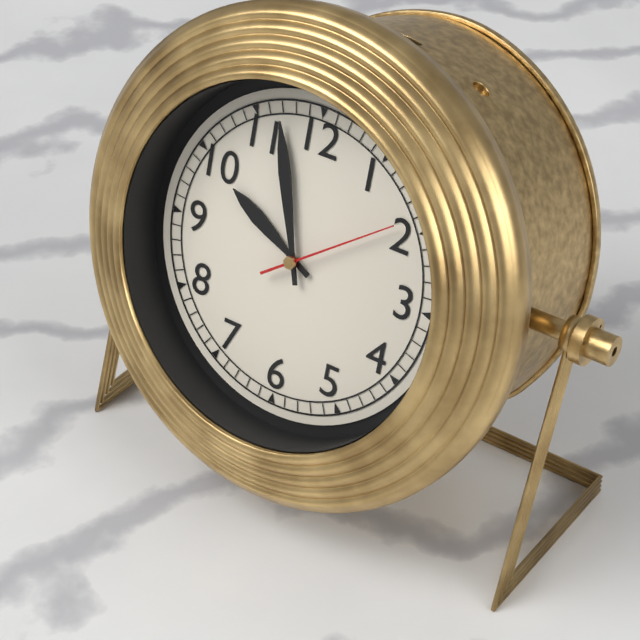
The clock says 9.57.09
